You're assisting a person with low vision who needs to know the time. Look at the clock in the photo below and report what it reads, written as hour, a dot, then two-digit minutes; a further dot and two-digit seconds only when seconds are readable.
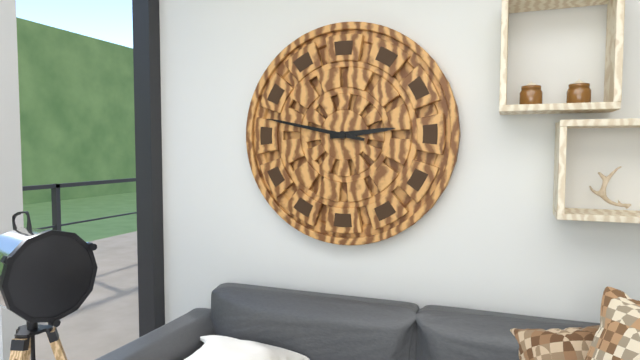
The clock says 2.47
